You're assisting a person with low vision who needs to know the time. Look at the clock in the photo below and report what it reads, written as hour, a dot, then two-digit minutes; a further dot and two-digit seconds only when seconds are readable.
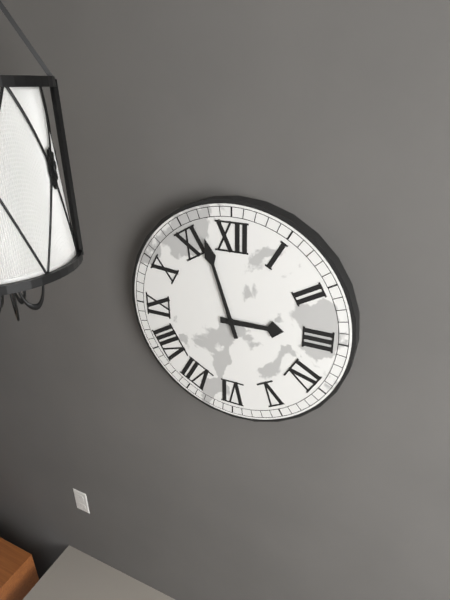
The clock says 2.57
